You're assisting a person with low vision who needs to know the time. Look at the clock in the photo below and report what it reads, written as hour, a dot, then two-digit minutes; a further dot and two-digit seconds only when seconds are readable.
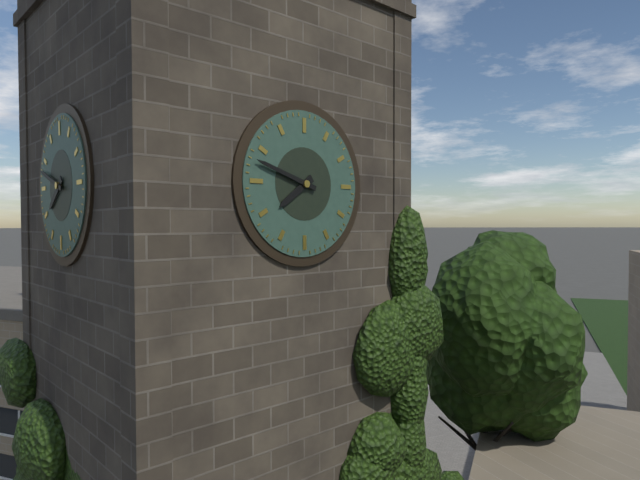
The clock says 7.48
